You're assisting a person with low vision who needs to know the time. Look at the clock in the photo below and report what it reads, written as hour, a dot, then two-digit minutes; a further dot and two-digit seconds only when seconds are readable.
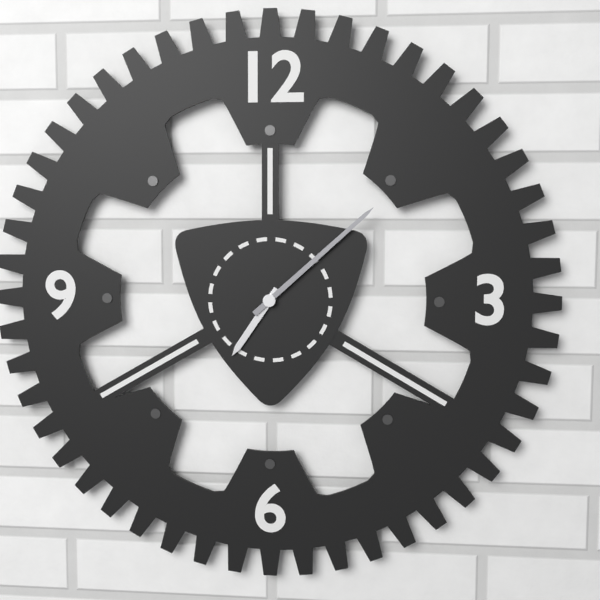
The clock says 7.08
